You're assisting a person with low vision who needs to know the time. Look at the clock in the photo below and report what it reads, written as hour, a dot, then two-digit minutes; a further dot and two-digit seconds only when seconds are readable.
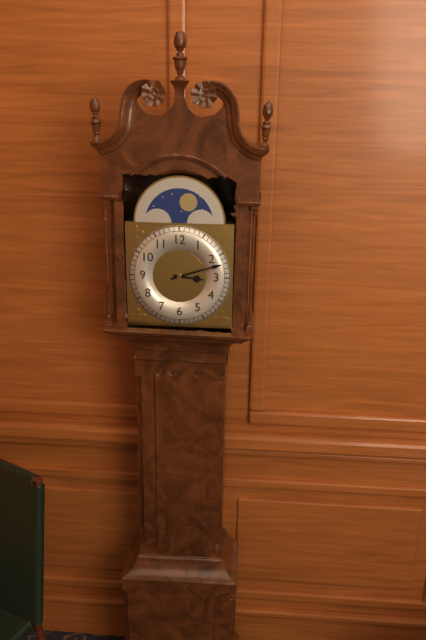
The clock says 3.12
